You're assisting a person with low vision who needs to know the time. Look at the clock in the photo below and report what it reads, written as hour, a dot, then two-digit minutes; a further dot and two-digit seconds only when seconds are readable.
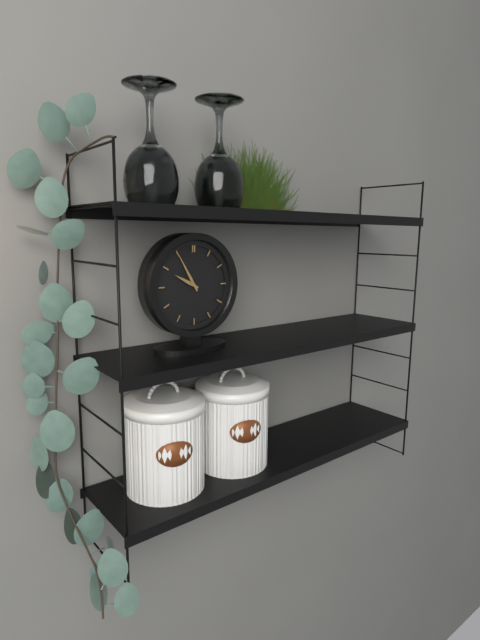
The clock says 9.55
